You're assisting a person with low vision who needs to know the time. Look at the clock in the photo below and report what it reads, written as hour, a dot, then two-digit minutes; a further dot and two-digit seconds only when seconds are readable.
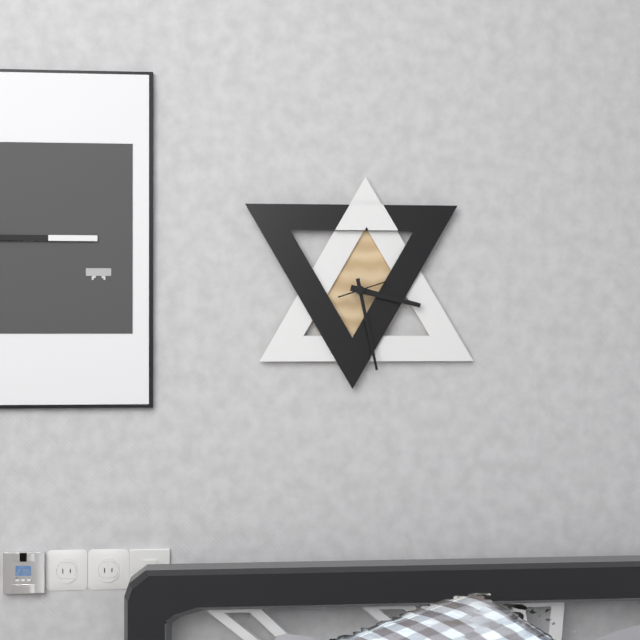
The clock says 3.28
